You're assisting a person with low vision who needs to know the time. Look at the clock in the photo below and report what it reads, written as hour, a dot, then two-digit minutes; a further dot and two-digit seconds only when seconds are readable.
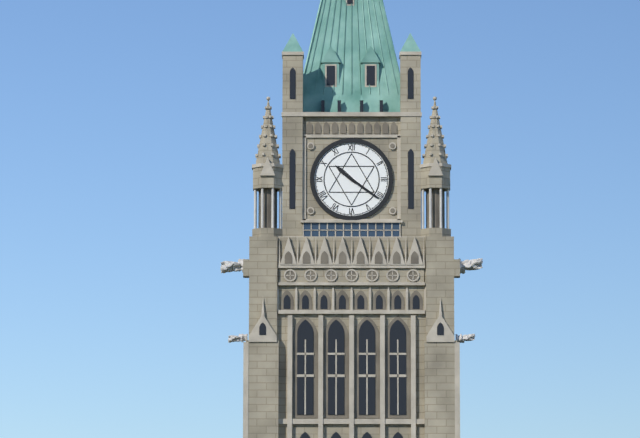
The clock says 10.21
